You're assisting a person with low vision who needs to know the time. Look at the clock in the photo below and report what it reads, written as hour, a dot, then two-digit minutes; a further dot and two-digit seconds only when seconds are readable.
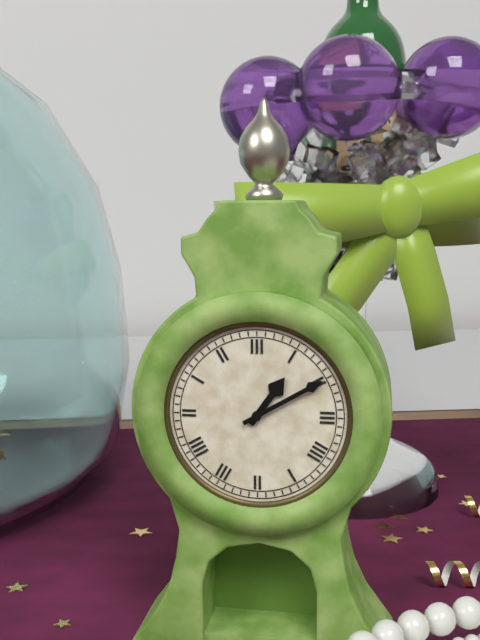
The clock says 1.10
